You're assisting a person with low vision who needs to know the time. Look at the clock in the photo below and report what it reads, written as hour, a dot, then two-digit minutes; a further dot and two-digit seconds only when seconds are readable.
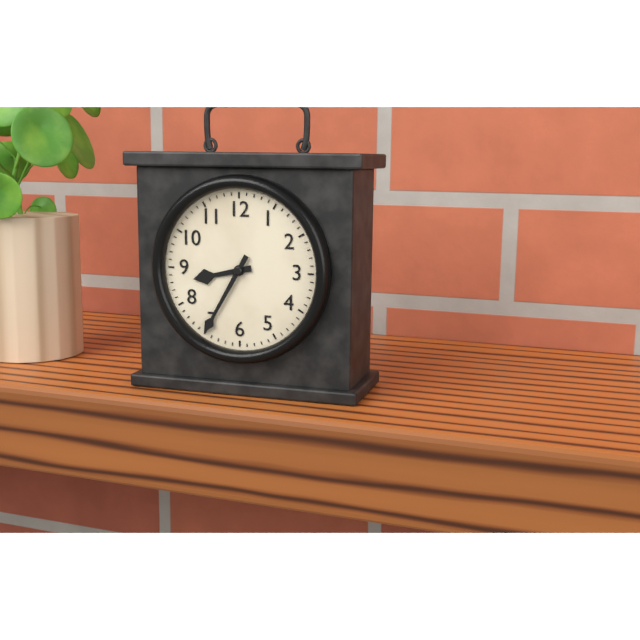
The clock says 8.35
